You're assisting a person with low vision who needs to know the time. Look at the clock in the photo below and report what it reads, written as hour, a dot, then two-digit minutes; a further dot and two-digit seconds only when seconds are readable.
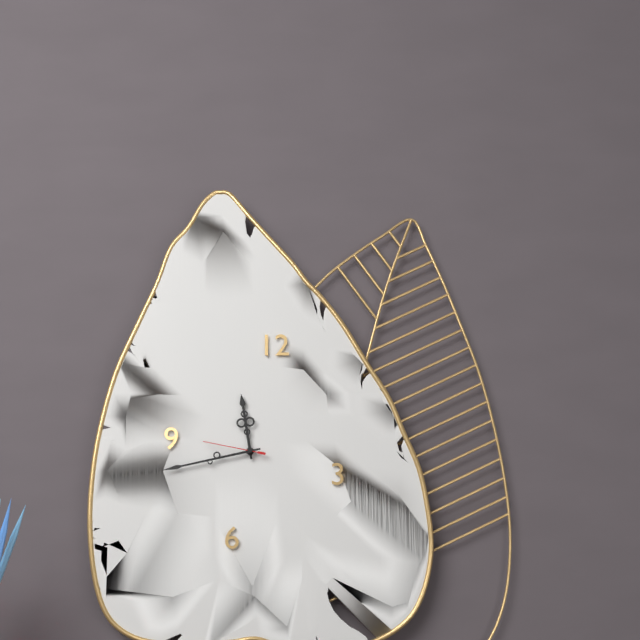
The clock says 11.43.47
